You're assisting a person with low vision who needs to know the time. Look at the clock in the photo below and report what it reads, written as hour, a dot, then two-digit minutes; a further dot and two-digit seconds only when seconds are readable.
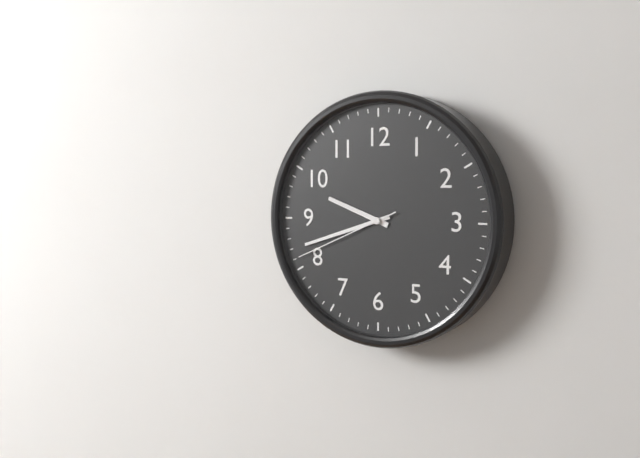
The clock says 9.42.41
